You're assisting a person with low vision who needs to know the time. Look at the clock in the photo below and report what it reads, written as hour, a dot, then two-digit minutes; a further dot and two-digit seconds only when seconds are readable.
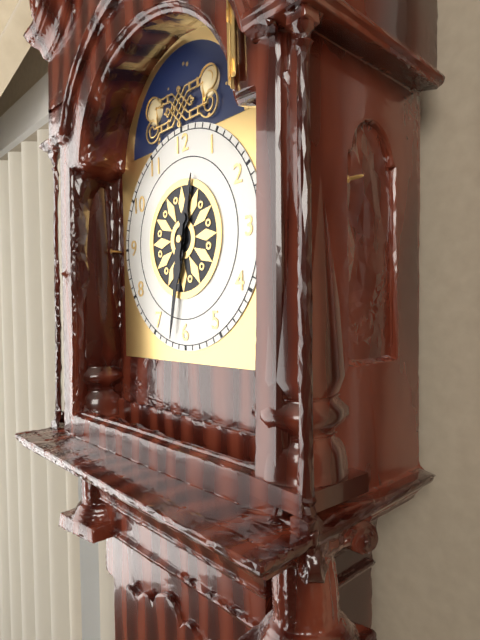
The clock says 12.32
